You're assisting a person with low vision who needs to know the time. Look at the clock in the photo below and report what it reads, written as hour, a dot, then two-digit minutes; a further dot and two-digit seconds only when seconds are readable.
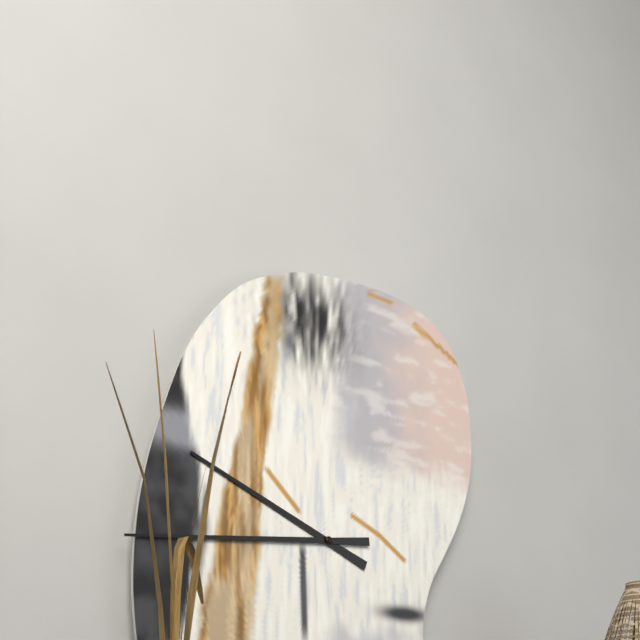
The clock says 9.44
